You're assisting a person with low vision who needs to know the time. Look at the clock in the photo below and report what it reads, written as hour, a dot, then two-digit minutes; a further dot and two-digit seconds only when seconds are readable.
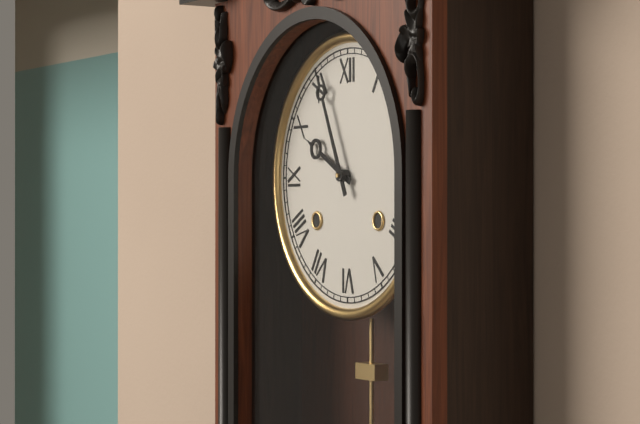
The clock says 9.56
